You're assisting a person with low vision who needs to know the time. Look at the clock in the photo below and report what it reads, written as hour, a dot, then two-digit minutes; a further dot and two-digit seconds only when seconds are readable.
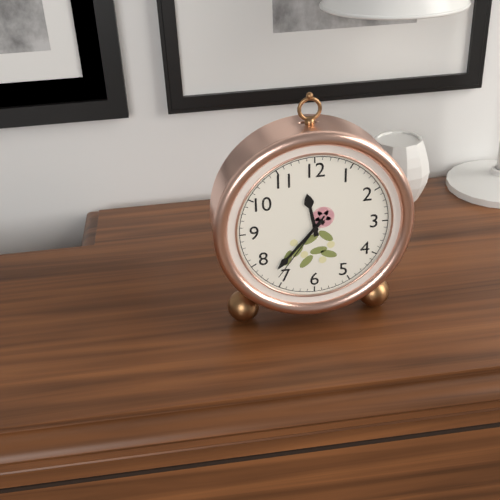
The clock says 11.37.36
